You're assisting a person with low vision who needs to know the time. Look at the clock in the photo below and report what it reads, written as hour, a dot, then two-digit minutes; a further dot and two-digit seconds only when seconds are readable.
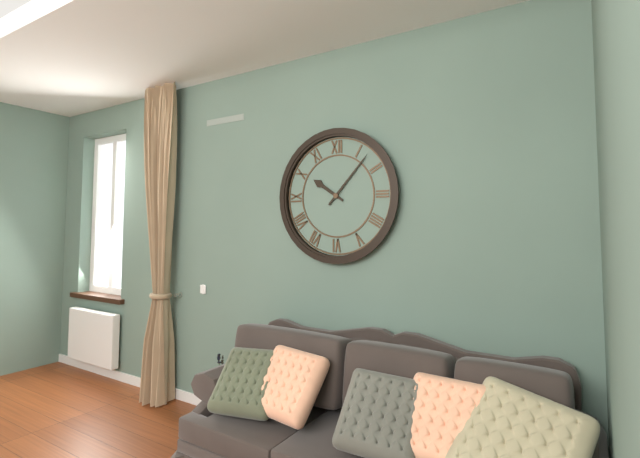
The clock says 10.07
